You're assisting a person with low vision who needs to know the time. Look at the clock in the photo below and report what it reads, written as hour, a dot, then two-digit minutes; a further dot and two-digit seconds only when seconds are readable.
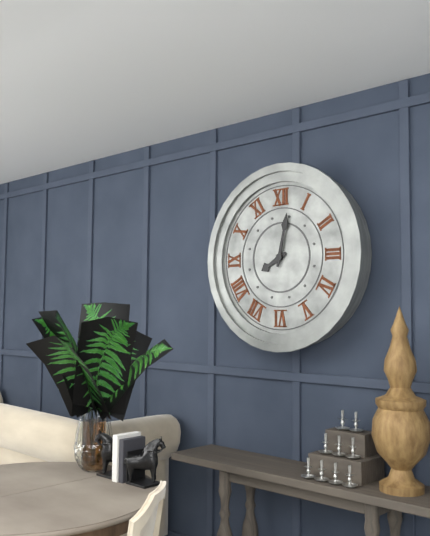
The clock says 8.02
